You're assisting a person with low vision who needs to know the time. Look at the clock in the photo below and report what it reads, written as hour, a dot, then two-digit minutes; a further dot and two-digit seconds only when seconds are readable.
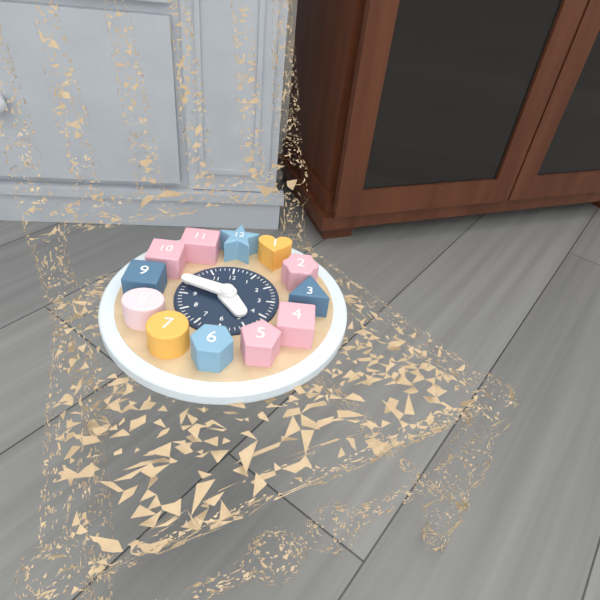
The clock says 4.48
